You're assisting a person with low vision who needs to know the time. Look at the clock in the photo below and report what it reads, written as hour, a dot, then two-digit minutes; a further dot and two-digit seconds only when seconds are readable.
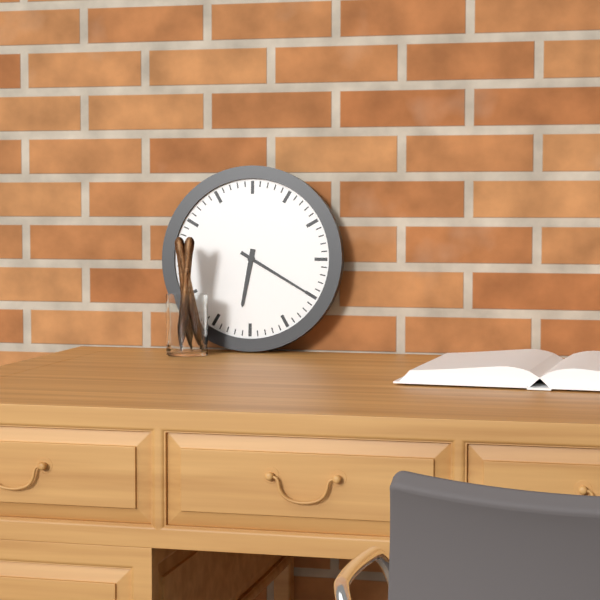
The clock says 6.20
